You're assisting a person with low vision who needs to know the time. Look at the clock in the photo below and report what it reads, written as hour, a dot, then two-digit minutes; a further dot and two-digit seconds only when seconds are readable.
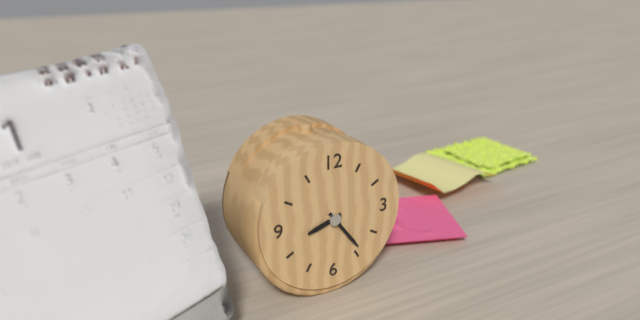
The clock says 8.24
